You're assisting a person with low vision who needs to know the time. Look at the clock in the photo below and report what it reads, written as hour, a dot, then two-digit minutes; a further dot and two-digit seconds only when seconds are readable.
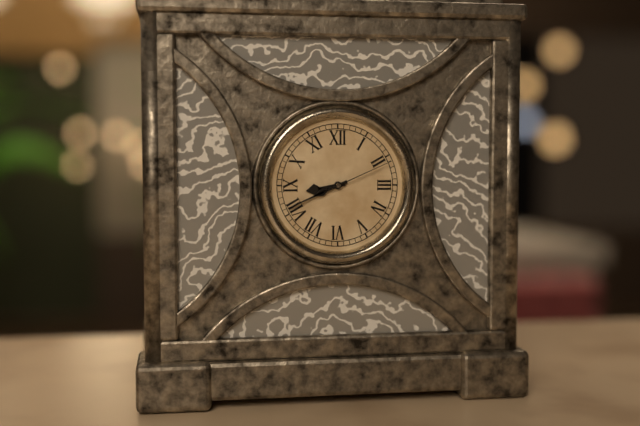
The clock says 8.41.11
